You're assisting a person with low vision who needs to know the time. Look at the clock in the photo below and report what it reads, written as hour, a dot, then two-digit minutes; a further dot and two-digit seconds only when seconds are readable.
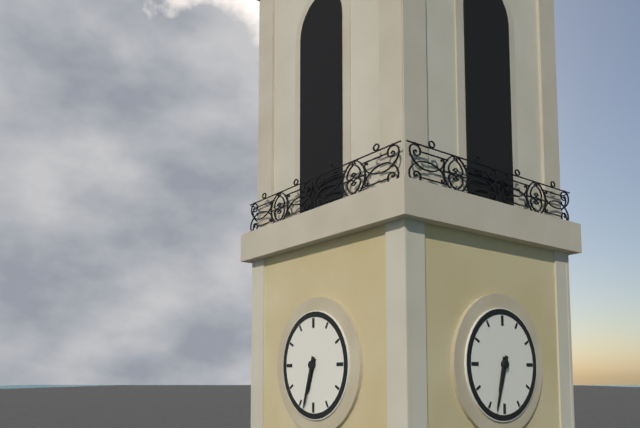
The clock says 6.33
